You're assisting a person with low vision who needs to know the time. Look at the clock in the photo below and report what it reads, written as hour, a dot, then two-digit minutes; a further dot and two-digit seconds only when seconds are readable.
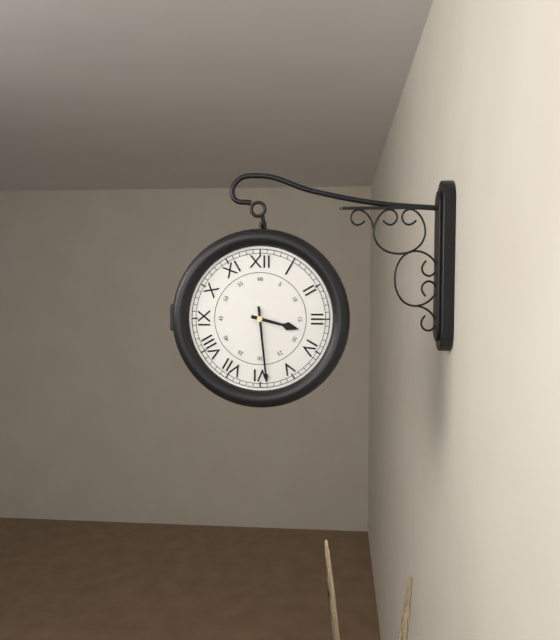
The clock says 3.29
